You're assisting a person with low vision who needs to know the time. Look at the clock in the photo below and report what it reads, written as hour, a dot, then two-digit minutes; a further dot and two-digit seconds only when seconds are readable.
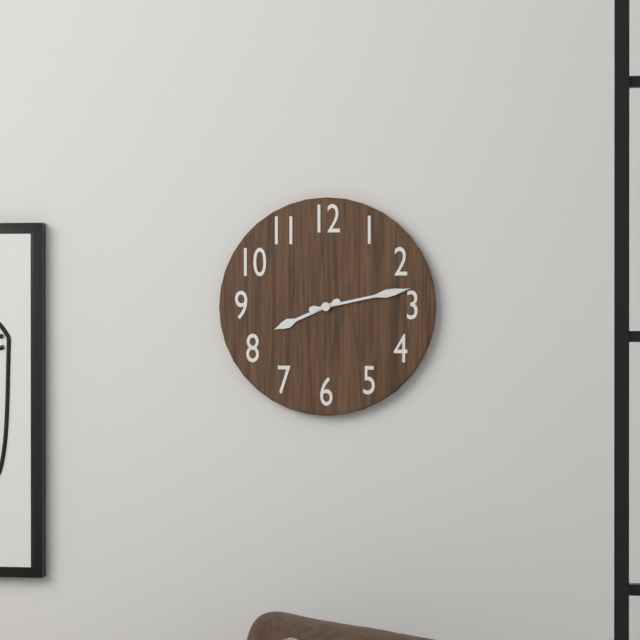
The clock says 8.13
